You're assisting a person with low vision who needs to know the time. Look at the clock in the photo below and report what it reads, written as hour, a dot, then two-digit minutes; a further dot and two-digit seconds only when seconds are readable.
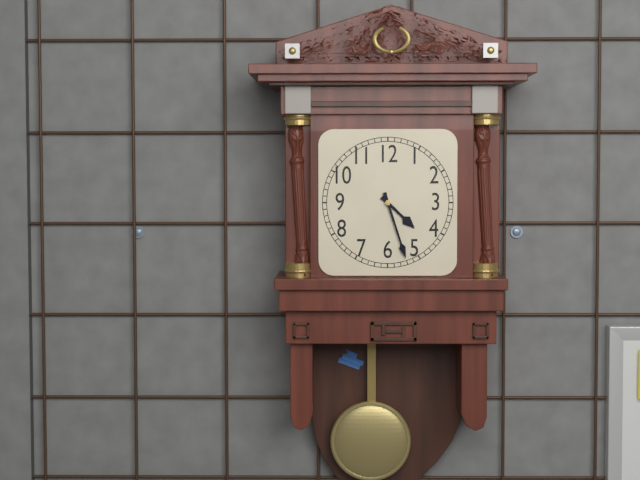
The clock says 4.27
